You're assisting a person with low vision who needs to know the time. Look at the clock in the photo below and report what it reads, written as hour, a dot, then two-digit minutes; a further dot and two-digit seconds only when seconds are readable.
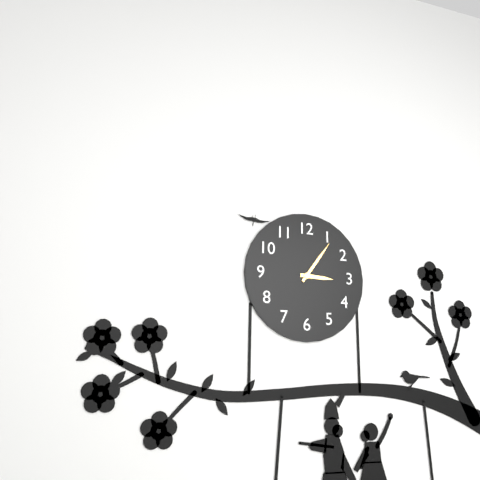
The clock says 3.06
